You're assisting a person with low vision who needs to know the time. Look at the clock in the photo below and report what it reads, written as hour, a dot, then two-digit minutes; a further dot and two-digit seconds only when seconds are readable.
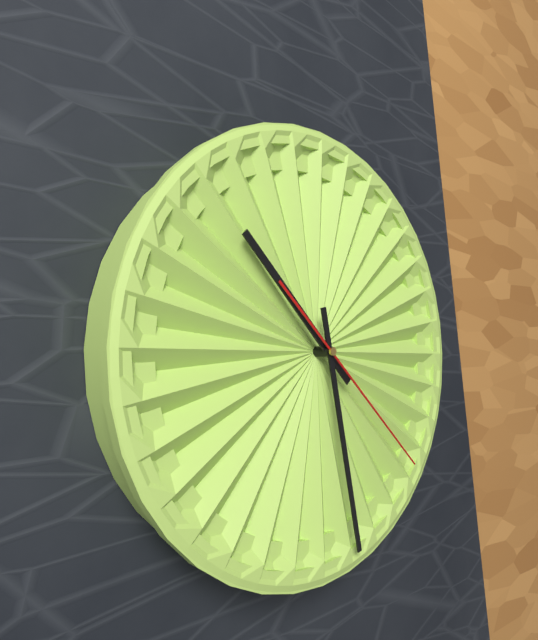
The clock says 10.28.22
